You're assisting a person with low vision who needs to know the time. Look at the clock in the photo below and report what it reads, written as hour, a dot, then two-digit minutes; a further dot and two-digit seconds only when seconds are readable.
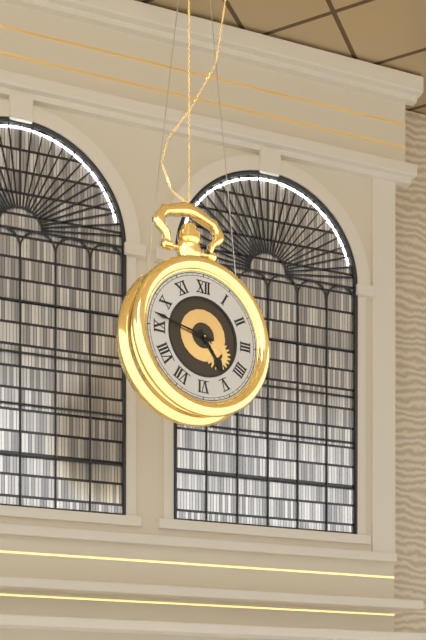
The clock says 4.47
